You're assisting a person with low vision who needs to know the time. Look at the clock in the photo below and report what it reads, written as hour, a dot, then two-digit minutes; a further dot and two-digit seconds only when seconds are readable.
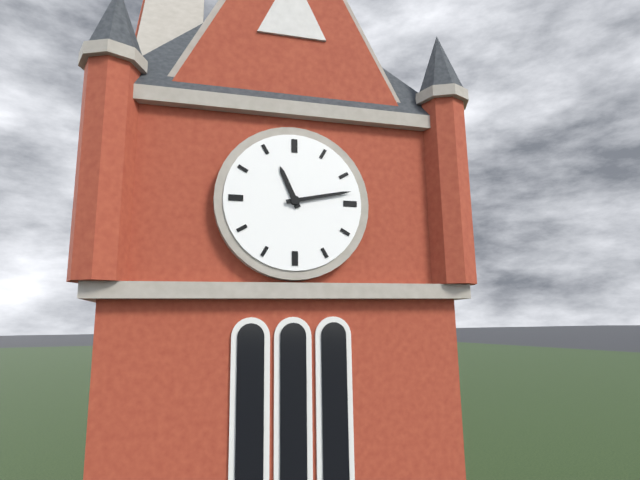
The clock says 11.13
